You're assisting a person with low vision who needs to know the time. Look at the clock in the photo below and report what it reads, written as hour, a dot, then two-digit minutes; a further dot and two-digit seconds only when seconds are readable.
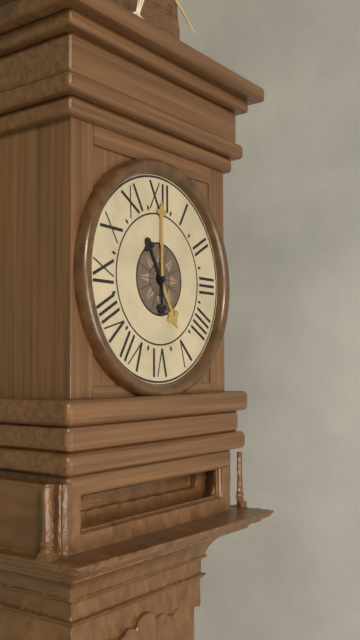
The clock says 5.00
